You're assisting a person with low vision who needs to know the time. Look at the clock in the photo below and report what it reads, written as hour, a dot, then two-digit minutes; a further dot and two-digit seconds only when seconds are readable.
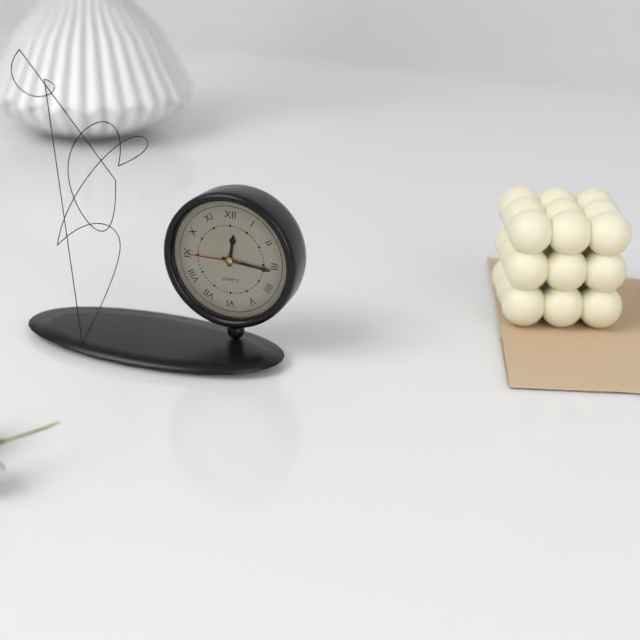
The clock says 12.16.45
